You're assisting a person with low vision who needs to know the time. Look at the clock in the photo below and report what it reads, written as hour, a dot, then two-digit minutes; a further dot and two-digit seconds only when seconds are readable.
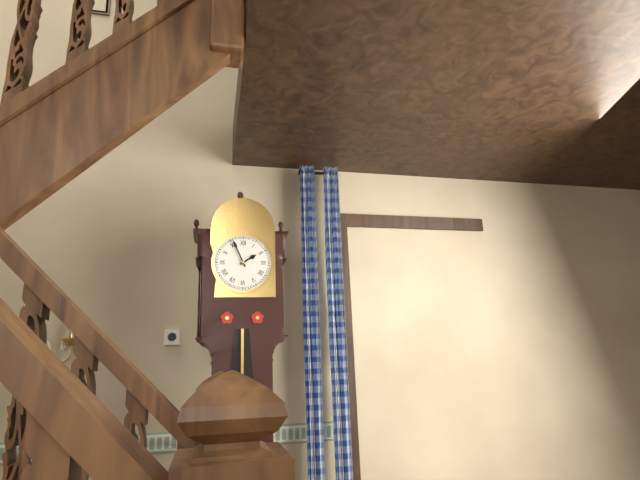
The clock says 1.56
